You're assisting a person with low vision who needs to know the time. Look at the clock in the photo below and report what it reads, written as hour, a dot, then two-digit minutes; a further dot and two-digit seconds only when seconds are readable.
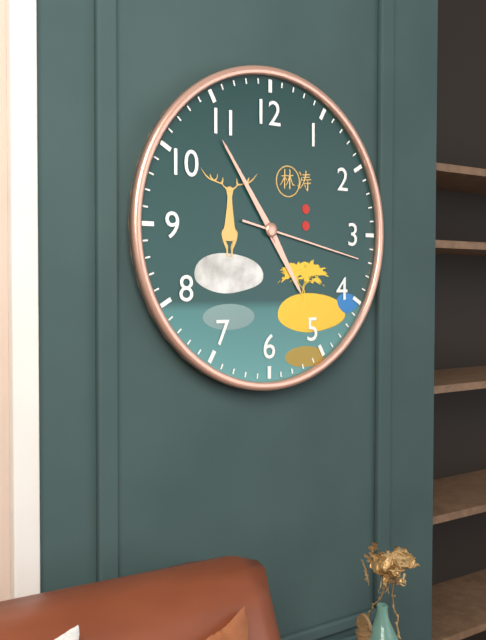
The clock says 4.54.17
